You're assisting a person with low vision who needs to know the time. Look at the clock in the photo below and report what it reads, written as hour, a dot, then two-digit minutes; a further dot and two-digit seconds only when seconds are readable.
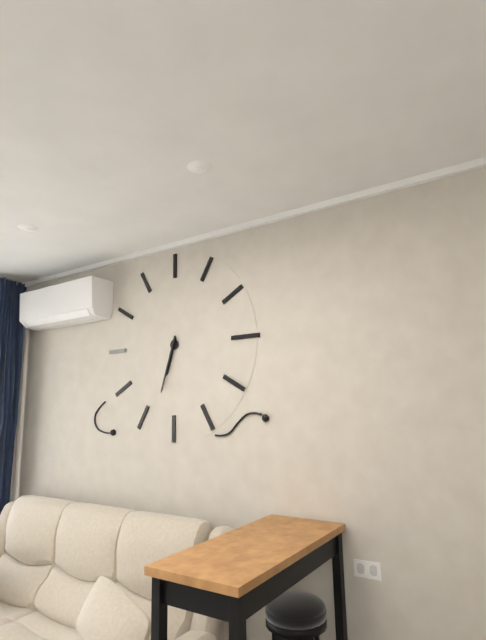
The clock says 6.33
